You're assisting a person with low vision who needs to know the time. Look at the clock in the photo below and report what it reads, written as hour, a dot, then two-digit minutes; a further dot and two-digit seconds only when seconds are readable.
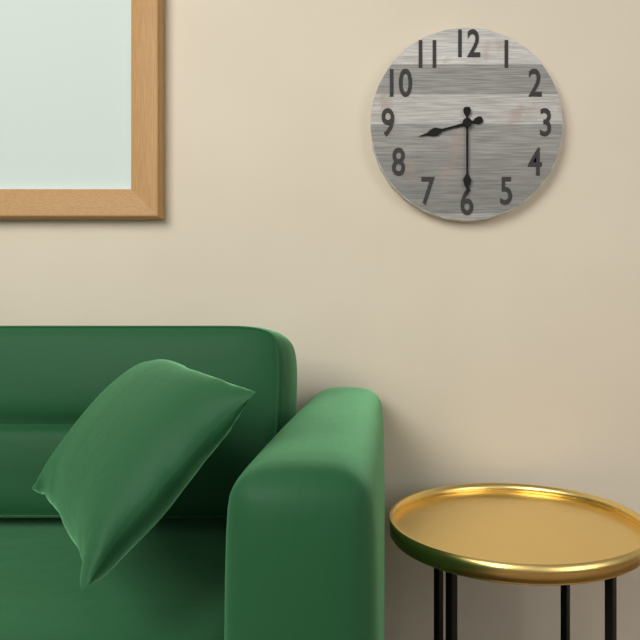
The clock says 8.30
